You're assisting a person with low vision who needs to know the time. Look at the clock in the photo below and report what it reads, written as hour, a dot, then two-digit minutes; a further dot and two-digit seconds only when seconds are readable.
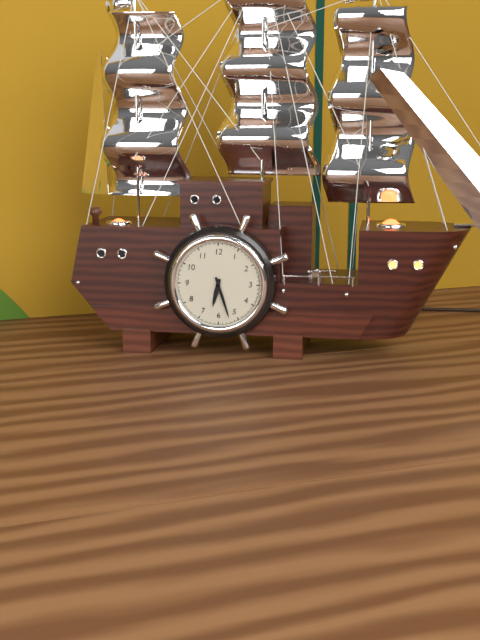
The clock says 6.27
